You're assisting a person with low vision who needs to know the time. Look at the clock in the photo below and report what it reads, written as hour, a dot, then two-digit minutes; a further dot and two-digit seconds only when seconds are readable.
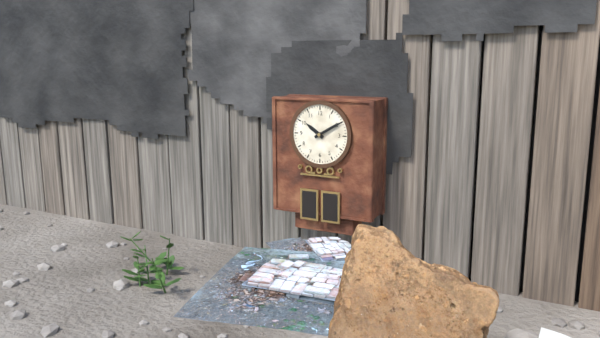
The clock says 10.10
